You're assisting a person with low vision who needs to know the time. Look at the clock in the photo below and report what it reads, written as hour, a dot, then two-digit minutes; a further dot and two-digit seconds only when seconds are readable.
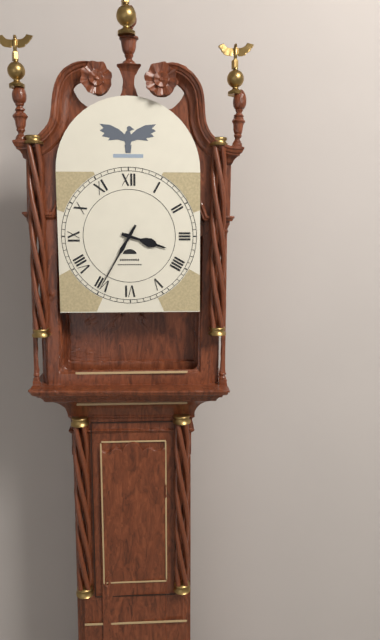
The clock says 3.35
